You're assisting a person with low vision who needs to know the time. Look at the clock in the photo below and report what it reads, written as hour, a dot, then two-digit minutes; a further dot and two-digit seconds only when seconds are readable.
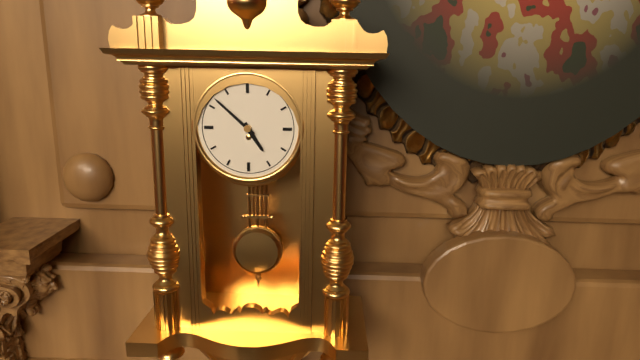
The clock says 4.52
